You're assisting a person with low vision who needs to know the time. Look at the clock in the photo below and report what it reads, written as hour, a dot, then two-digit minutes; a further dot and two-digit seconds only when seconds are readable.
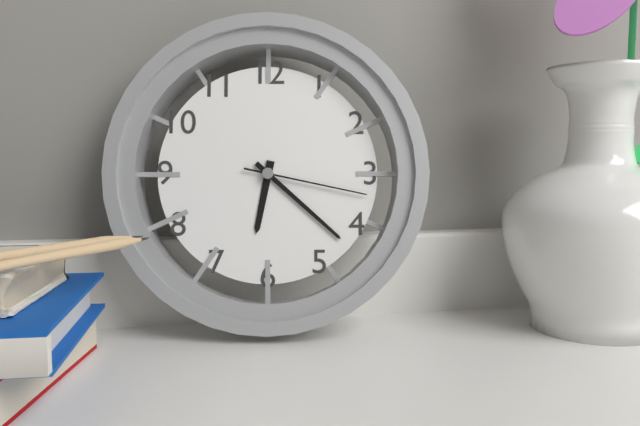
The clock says 6.22.17
